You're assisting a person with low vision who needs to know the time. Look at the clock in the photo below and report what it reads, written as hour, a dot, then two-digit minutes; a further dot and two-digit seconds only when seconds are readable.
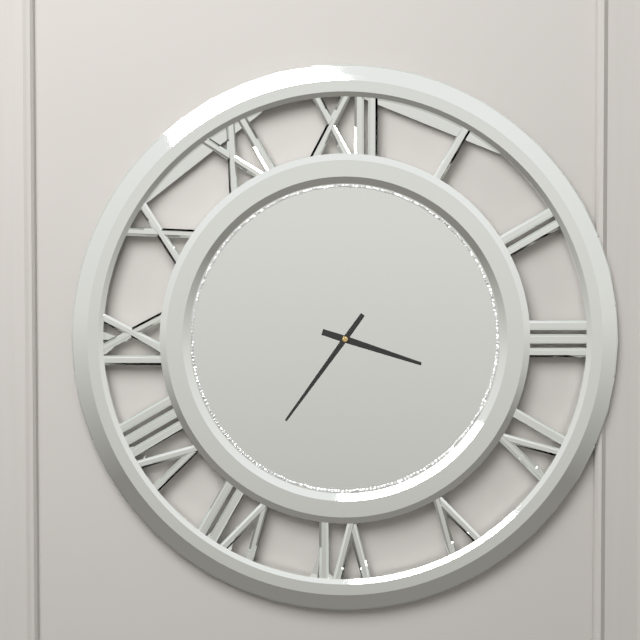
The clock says 3.36
